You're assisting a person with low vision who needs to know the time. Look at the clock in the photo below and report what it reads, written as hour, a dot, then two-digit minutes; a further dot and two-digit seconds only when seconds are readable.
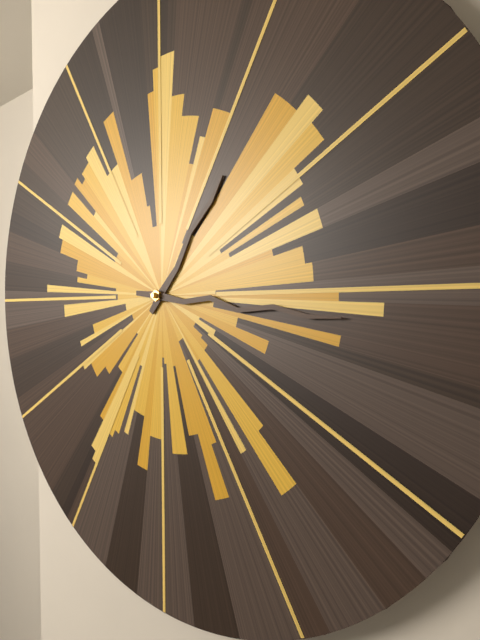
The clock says 1.16
